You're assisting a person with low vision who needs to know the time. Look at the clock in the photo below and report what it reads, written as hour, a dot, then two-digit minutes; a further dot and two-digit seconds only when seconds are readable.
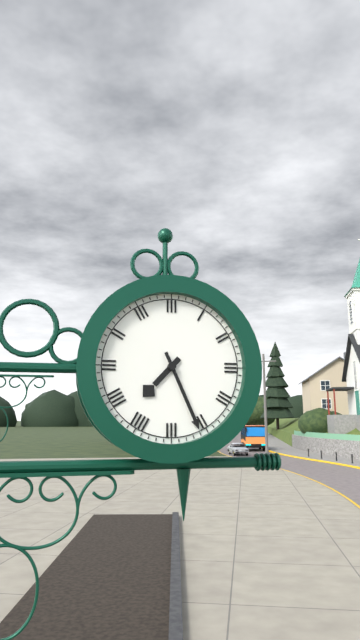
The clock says 7.26
